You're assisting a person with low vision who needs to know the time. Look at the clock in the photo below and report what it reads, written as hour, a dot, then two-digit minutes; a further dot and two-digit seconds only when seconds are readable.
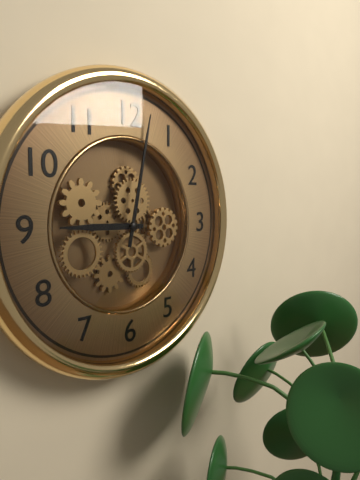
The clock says 9.02
